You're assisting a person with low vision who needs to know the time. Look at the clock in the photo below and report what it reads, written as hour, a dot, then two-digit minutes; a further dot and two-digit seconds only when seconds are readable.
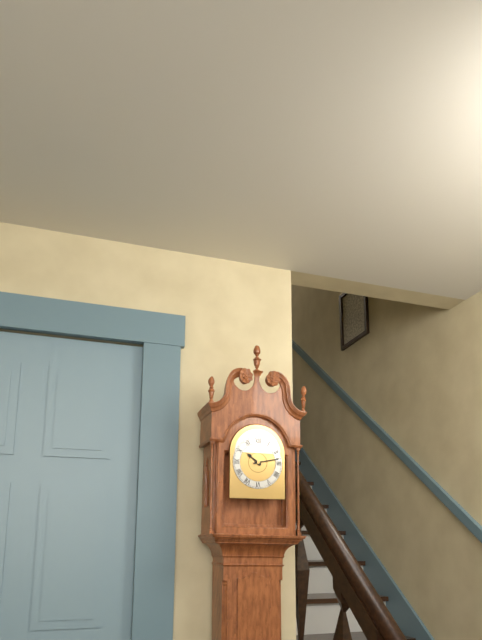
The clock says 10.13
